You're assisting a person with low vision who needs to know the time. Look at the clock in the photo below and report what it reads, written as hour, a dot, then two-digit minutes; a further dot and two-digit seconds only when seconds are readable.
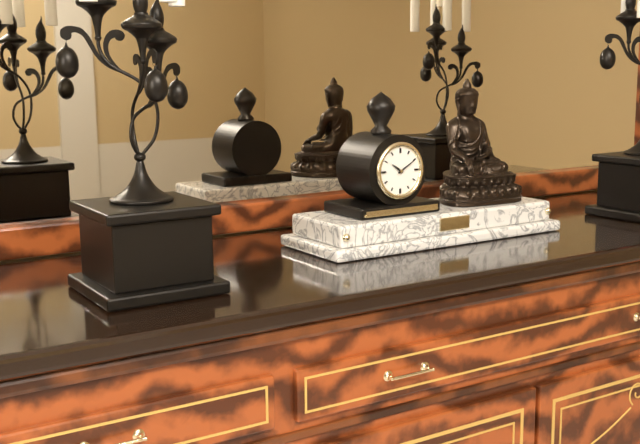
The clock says 10.10
